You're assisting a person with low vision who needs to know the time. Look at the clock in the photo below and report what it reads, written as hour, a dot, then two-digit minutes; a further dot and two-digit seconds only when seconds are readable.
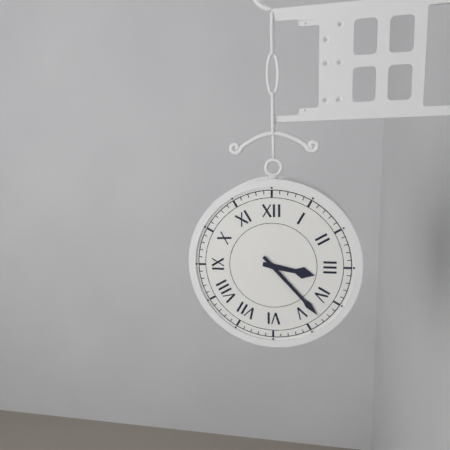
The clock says 3.23
